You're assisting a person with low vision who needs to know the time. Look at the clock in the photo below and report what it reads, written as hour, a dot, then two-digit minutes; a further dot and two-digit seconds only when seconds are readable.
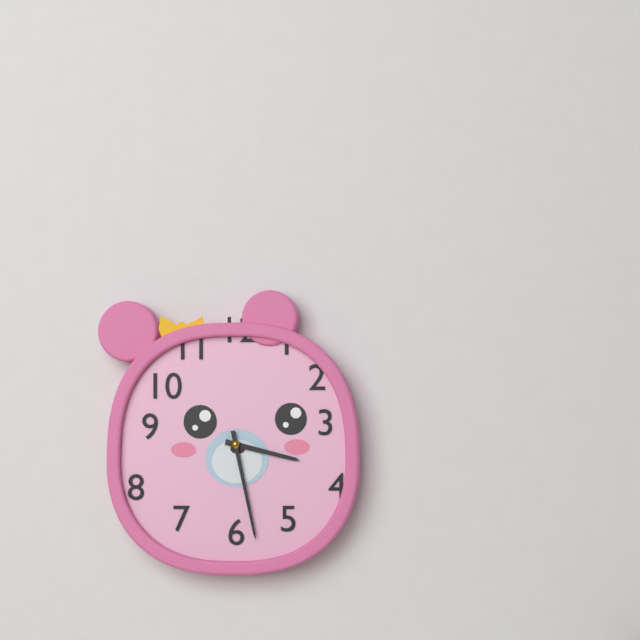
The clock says 3.28
